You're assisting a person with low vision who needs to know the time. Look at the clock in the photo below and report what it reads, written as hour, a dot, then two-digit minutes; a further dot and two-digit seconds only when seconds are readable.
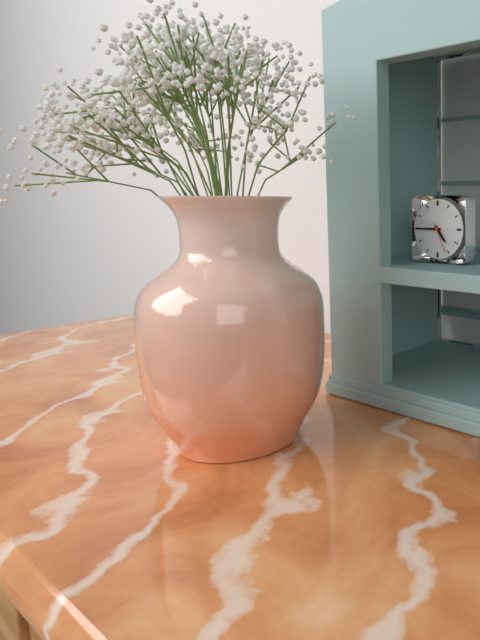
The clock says 4.45
